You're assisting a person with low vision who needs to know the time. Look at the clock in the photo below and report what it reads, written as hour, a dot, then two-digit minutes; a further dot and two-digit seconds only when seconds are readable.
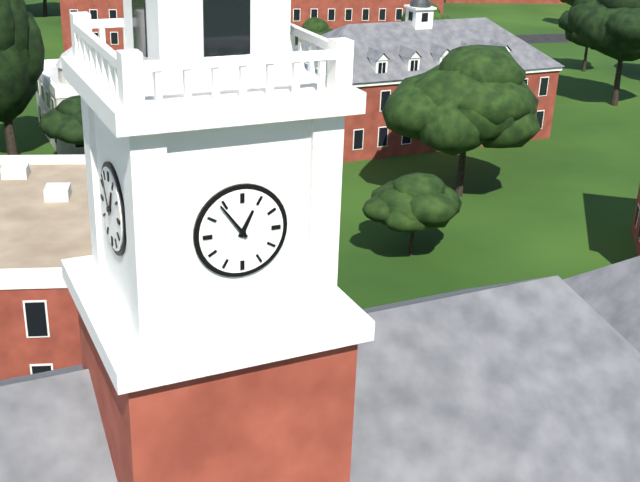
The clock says 12.54
